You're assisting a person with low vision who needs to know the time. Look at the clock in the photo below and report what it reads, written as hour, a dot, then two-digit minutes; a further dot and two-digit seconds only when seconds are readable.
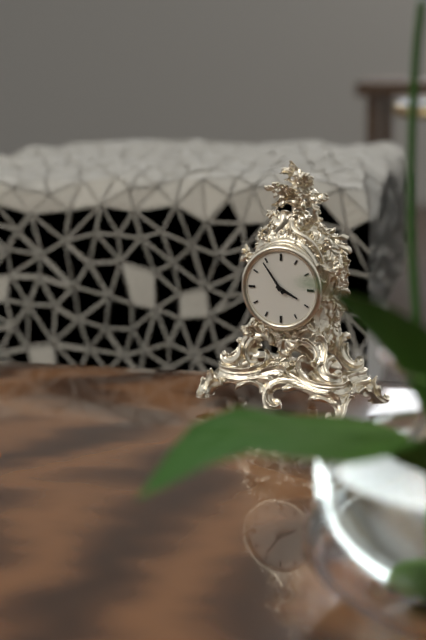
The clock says 3.54
